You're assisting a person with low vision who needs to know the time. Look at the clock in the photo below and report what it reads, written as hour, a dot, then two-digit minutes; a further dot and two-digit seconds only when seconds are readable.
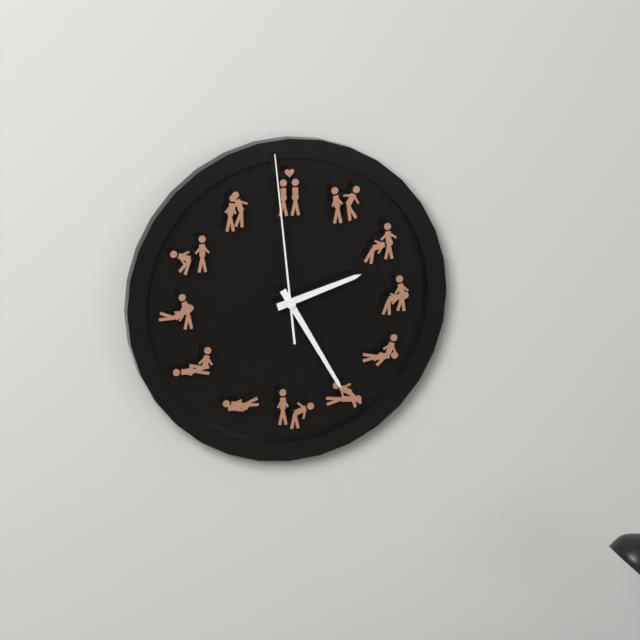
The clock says 2.25.59
